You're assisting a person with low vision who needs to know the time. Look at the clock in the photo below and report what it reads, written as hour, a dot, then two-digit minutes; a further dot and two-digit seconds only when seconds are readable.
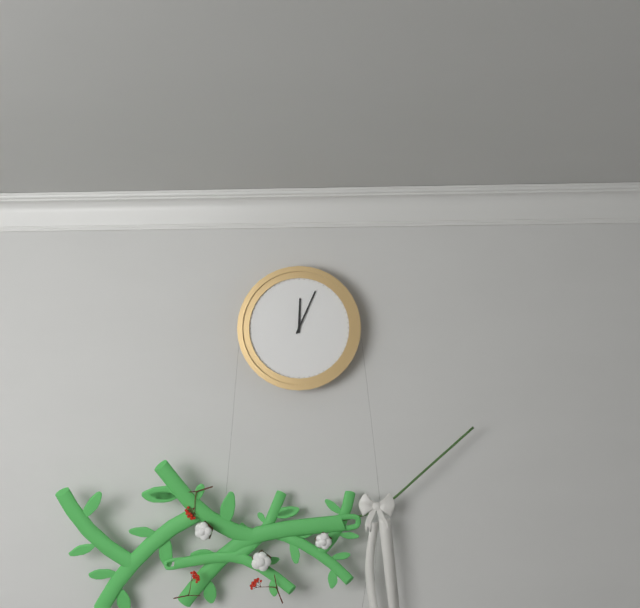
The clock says 12.04
